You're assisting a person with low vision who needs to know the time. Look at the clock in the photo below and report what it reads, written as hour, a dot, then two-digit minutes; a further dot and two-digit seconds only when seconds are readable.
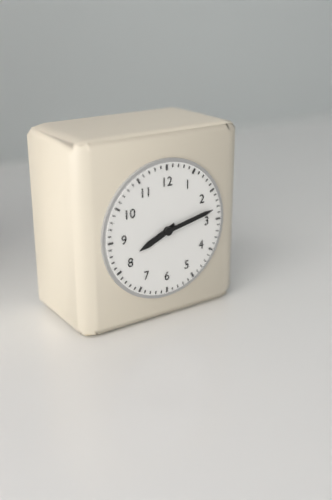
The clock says 8.13
